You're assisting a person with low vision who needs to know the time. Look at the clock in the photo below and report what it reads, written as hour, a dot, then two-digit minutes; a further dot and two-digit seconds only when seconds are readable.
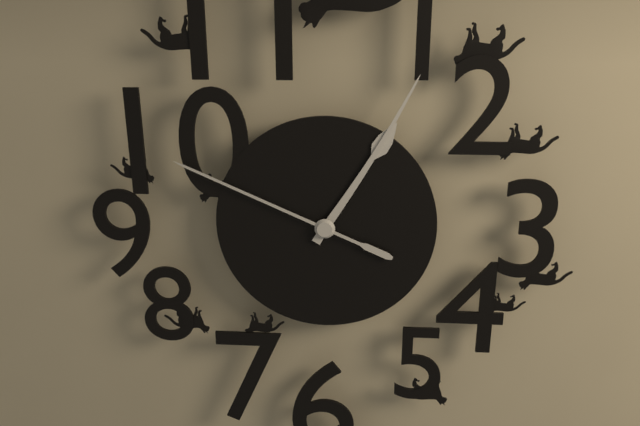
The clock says 1.05.49
